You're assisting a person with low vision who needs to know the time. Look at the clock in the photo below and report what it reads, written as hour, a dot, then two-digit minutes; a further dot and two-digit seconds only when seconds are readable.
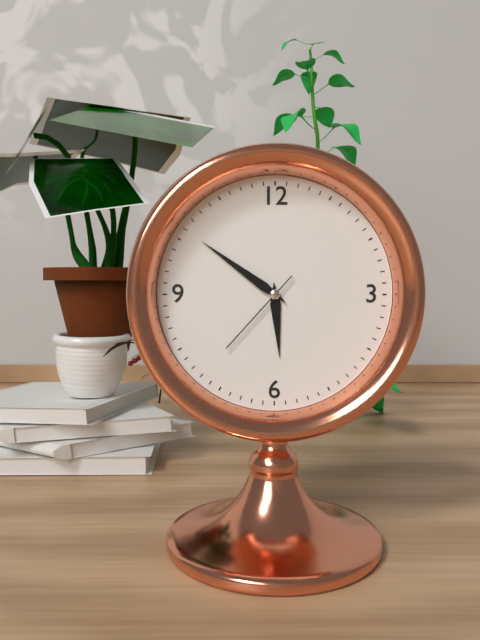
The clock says 5.51.37
